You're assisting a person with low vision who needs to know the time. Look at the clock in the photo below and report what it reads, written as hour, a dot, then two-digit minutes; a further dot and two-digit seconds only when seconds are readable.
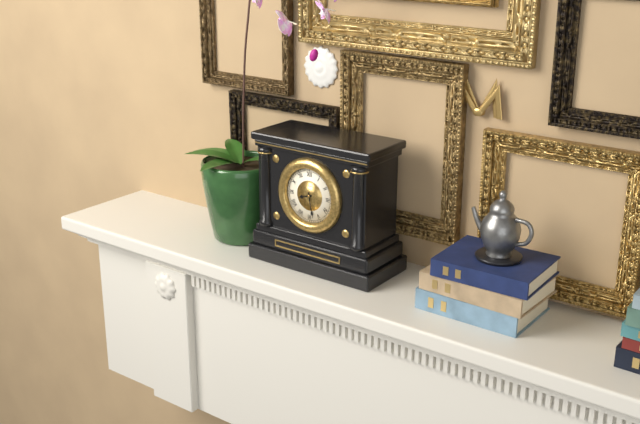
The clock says 8.28
